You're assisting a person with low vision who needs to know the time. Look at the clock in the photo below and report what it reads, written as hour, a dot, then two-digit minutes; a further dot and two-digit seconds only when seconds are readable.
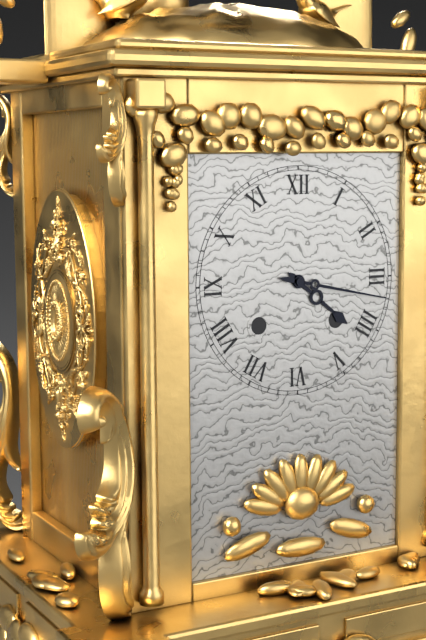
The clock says 4.17
